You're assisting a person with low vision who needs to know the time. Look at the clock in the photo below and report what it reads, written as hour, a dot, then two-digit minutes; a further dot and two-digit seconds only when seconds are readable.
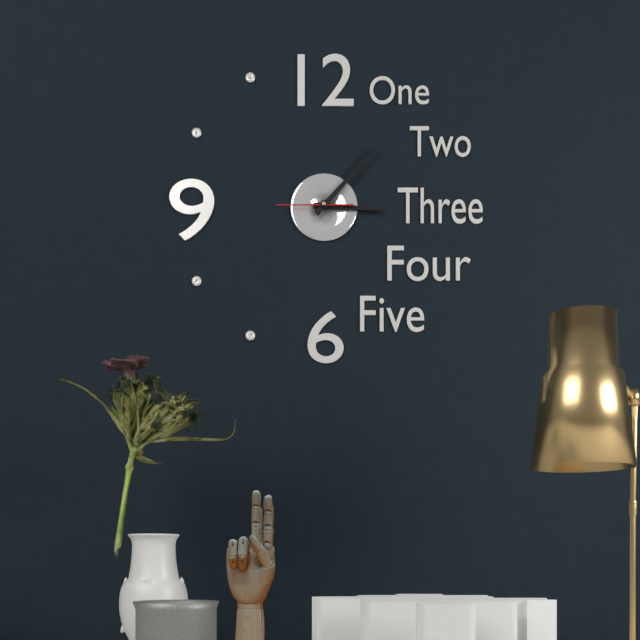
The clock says 3.07.45
